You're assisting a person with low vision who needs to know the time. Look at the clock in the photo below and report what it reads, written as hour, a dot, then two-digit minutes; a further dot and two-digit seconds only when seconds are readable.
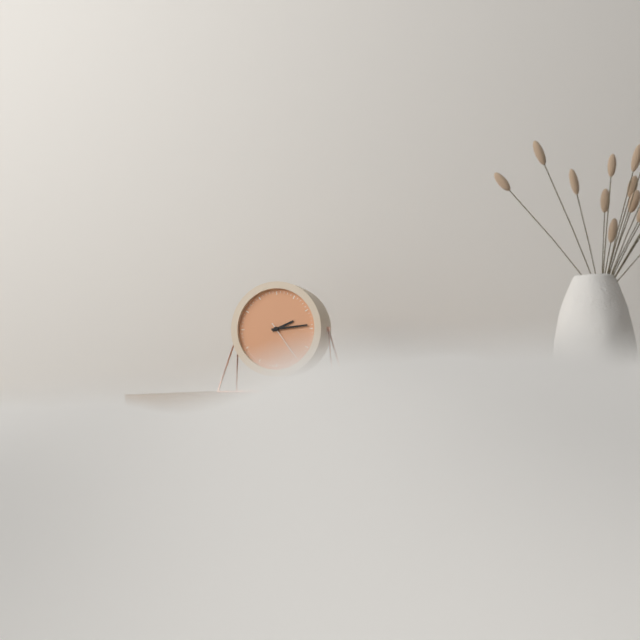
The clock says 2.14
